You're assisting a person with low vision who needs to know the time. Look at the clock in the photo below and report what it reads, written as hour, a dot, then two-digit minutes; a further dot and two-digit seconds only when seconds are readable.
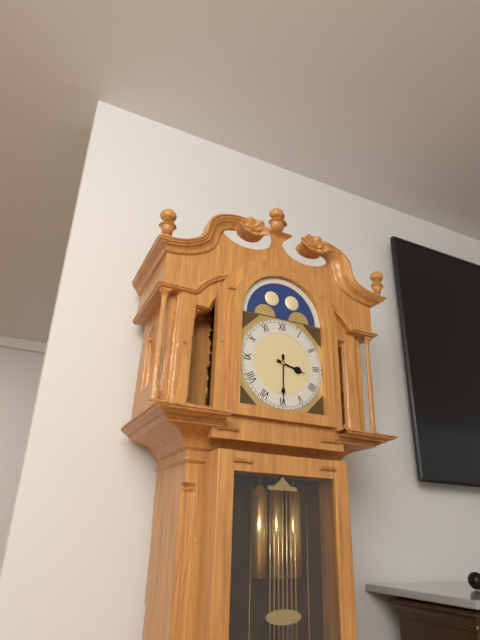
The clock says 3.30
